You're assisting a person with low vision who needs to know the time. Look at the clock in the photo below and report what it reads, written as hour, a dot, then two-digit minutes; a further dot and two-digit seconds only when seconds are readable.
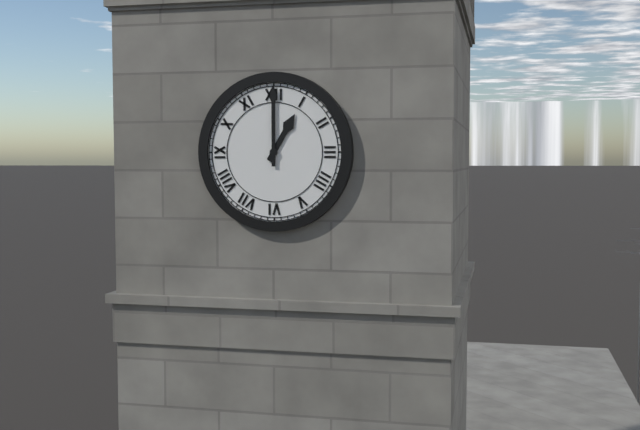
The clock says 1.00
